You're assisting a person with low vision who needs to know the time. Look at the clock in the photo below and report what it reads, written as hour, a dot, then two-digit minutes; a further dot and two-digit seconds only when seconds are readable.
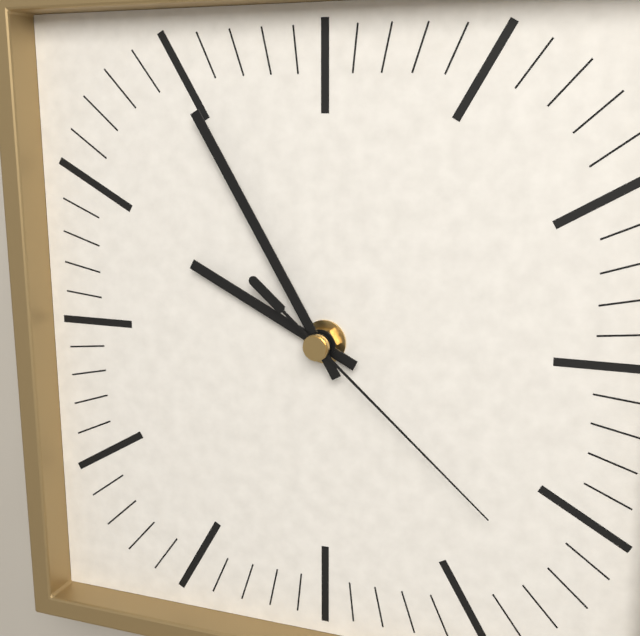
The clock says 9.55.22
